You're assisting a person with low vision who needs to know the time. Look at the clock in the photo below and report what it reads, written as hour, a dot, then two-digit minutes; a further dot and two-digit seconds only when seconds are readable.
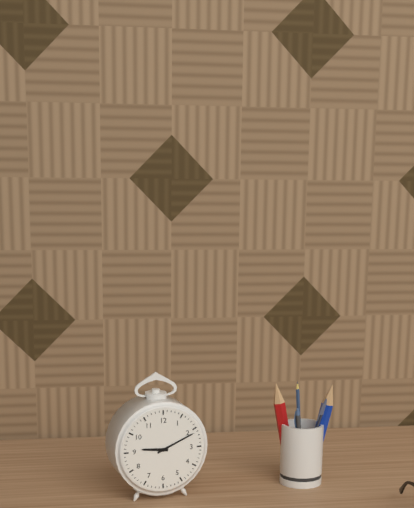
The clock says 9.11
